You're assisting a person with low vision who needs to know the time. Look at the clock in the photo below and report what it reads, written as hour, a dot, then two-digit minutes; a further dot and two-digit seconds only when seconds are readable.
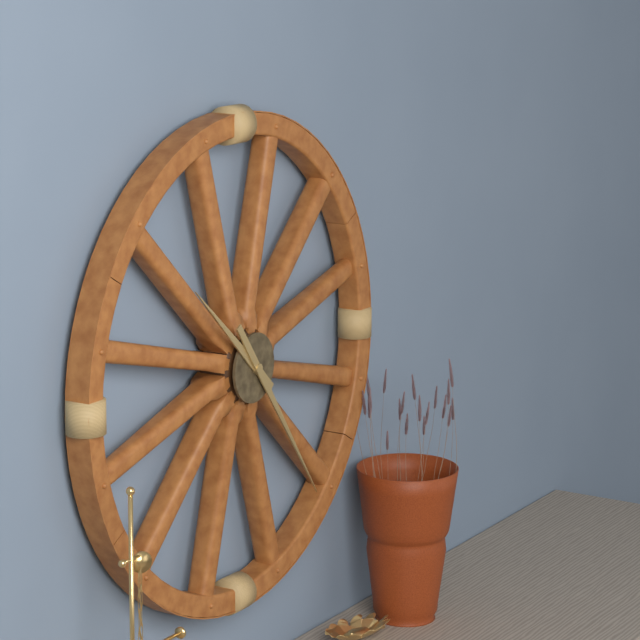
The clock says 10.24
